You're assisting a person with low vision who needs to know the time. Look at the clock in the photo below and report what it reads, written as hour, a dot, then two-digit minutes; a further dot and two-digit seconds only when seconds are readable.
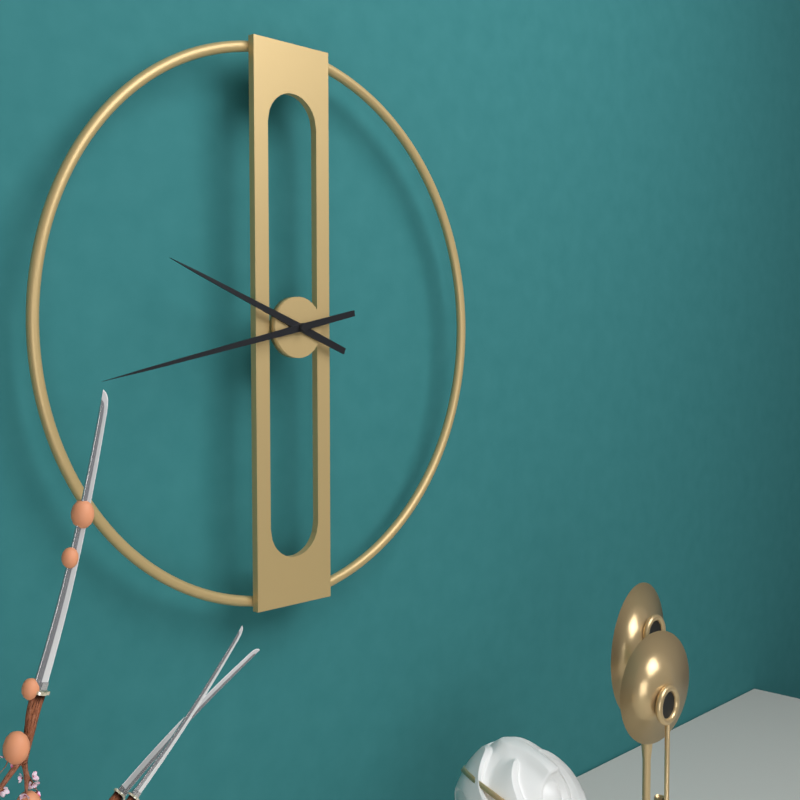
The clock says 9.43
